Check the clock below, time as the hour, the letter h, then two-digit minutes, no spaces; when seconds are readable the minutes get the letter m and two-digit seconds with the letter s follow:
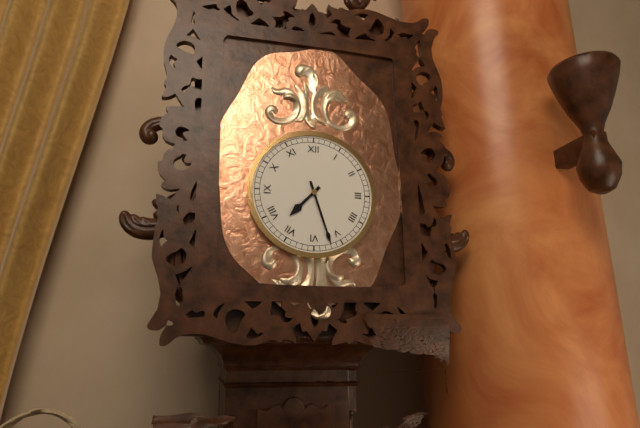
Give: 7h27
